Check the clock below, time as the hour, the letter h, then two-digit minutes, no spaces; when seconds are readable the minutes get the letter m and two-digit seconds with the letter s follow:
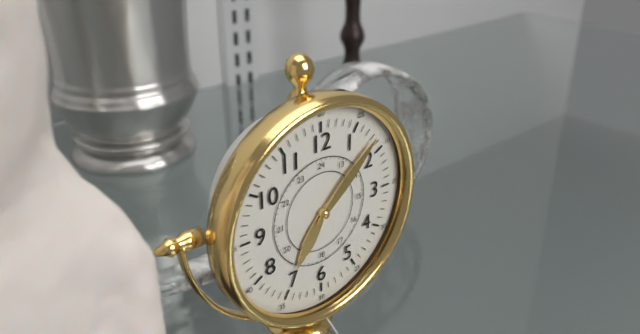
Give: 7h08
